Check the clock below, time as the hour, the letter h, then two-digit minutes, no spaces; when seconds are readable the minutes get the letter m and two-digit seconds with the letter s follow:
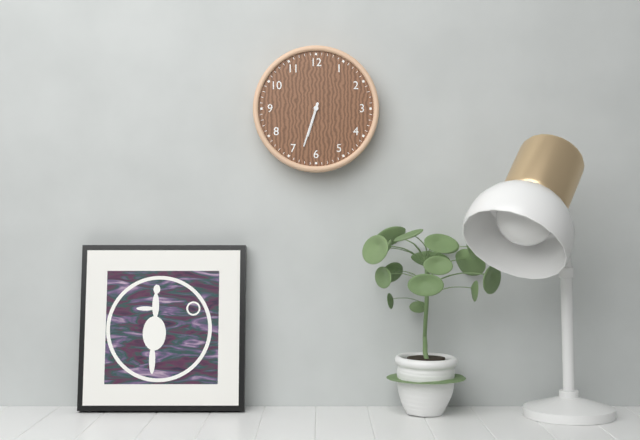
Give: 6h33
